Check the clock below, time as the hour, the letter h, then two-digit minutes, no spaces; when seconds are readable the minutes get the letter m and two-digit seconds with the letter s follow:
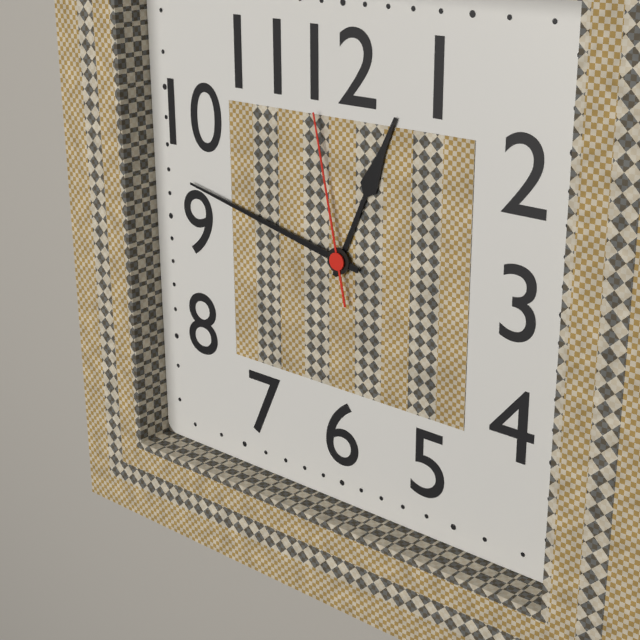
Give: 12h47m58s
